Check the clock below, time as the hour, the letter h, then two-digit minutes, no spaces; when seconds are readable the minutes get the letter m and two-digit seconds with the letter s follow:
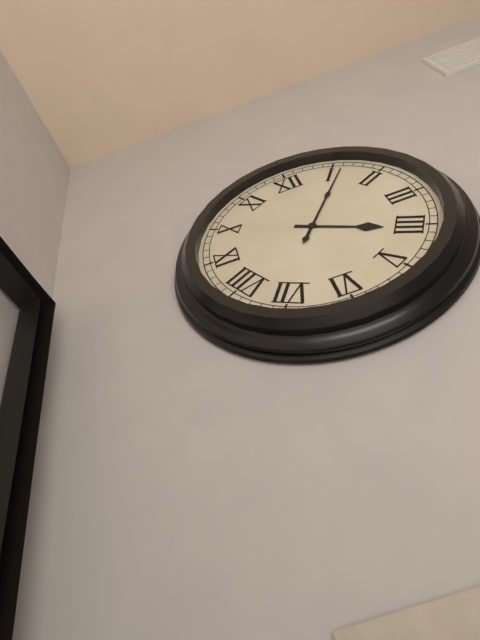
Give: 4h06
